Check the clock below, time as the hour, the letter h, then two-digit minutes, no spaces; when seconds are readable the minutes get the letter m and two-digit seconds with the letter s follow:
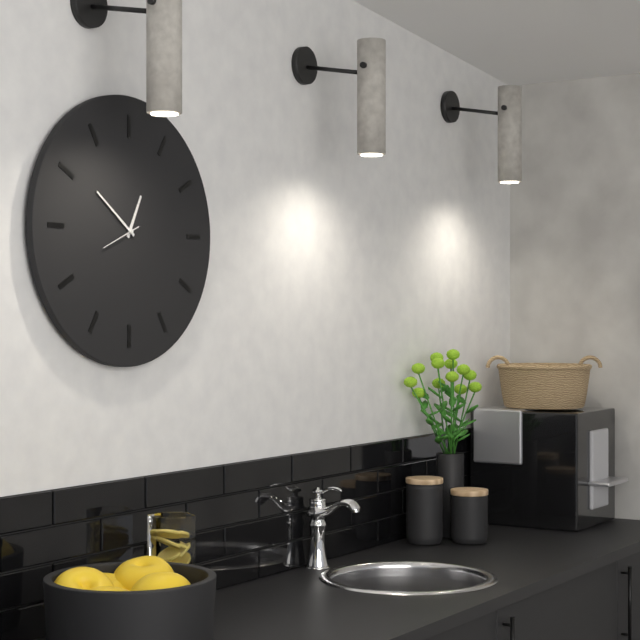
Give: 12h51
